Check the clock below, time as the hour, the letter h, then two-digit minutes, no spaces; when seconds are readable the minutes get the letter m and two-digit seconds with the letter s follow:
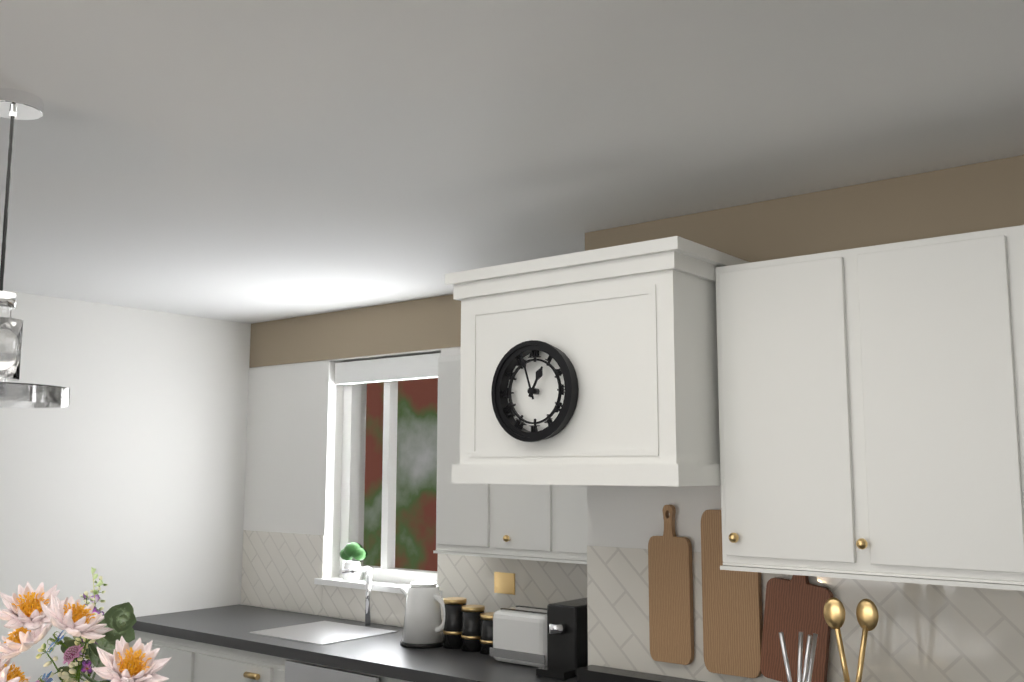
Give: 12h57
